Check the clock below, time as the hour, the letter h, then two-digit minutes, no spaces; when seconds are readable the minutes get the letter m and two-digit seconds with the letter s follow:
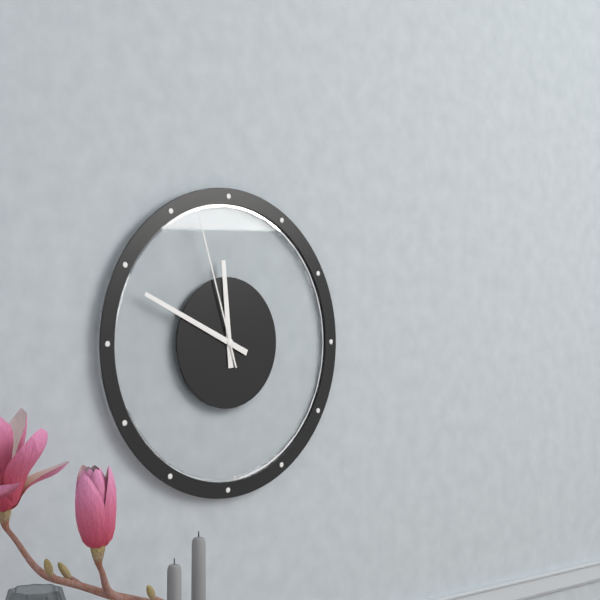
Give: 11h49m57s
